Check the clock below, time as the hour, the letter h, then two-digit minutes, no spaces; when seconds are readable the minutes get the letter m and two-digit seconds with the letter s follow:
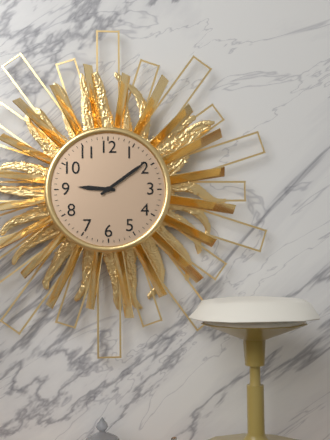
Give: 9h09
